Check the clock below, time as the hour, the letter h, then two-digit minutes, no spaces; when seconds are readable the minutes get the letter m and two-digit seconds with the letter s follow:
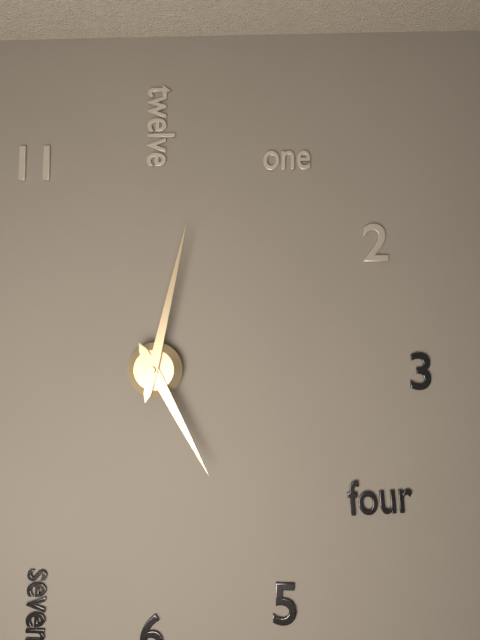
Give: 5h02
